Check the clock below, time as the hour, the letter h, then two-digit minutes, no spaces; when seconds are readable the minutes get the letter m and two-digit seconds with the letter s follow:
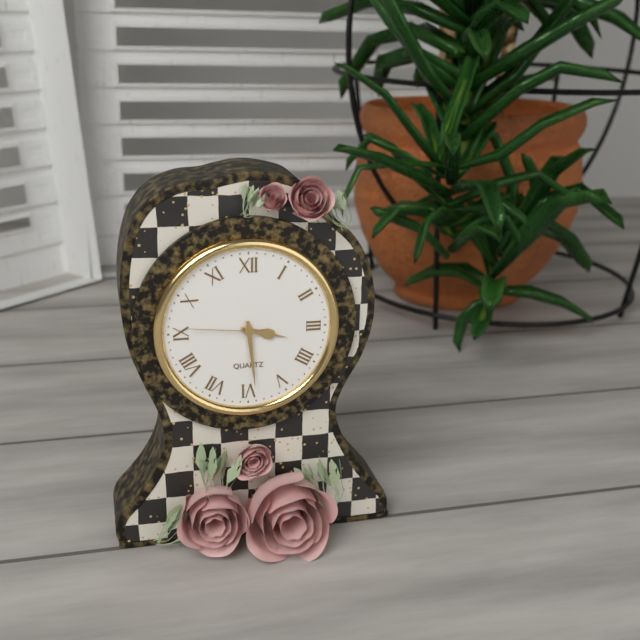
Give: 3h29m46s
